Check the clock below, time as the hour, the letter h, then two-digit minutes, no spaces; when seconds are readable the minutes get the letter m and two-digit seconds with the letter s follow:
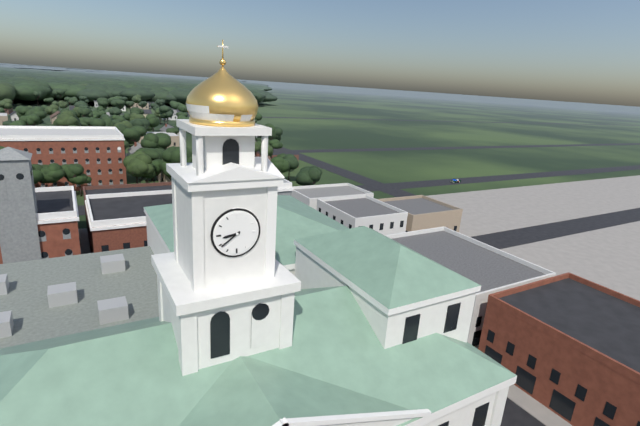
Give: 8h39
